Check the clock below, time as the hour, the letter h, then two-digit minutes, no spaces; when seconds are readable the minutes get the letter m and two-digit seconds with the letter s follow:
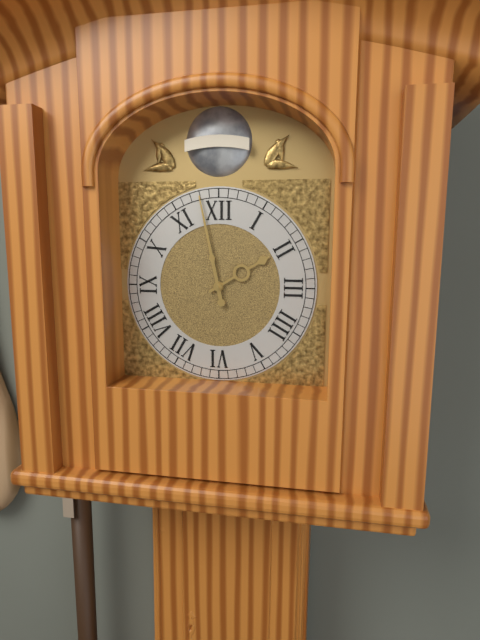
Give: 1h58
